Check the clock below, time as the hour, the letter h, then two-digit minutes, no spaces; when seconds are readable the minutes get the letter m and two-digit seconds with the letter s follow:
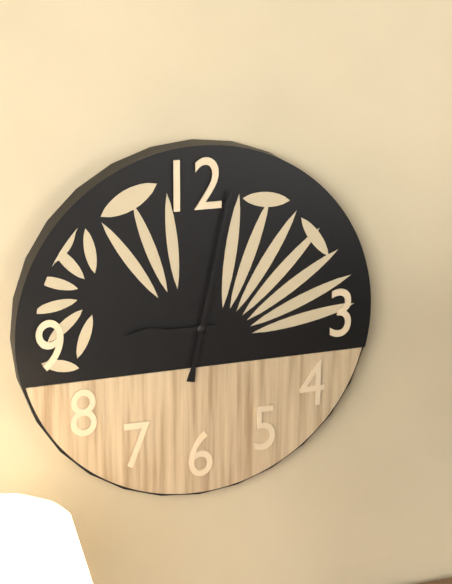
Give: 9h02
